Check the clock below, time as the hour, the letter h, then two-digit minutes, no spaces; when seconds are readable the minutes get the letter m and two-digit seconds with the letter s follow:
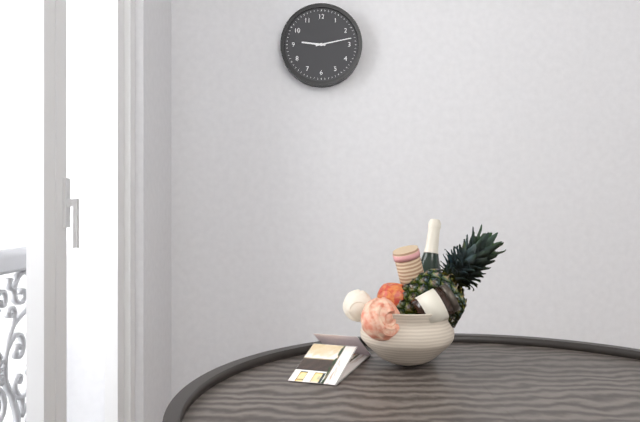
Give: 9h13
